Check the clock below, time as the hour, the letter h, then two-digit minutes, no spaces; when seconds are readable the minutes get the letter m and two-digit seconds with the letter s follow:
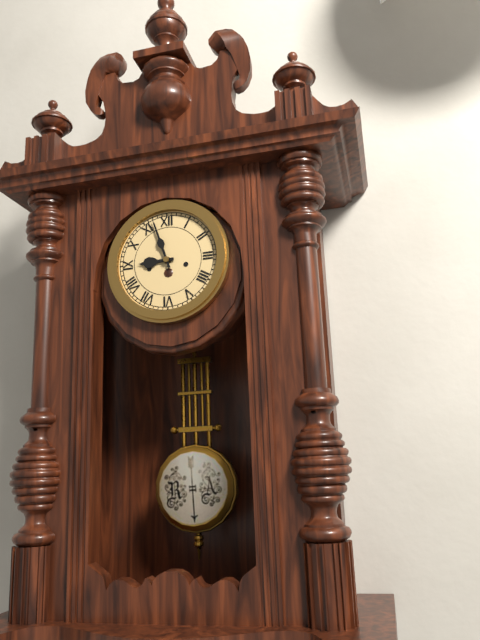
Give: 8h57
